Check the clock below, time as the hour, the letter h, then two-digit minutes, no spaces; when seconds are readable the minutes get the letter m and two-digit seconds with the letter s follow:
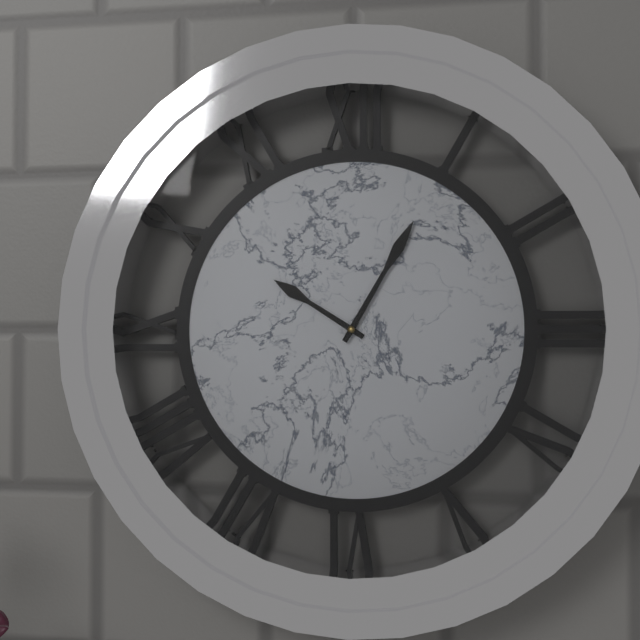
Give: 10h05
